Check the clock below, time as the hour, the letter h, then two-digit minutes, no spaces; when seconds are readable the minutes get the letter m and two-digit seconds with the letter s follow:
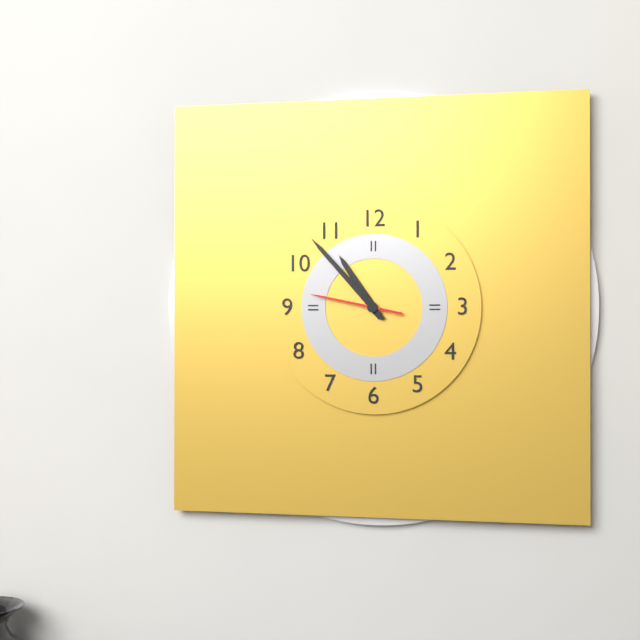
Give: 10h53m47s
